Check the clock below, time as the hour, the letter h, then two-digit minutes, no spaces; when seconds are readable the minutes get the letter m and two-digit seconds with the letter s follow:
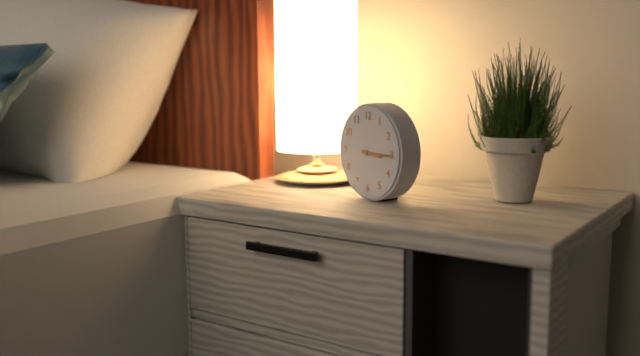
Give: 3h15
